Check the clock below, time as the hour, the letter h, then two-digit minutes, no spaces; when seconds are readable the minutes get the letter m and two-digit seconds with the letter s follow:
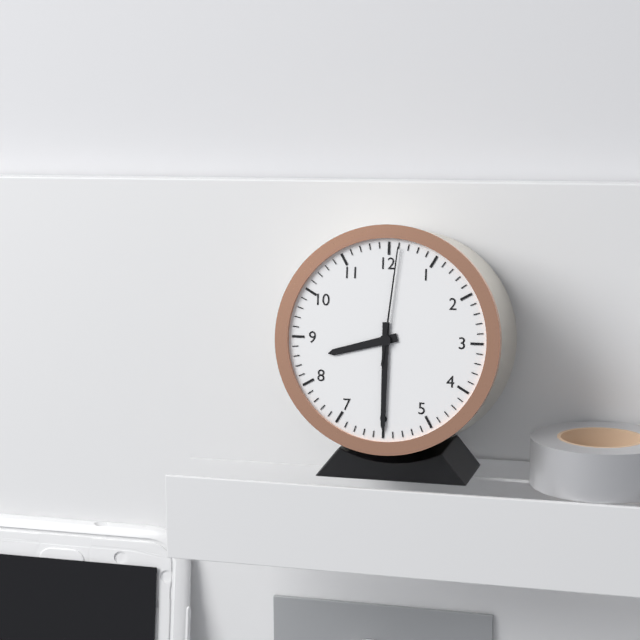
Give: 8h30m01s
